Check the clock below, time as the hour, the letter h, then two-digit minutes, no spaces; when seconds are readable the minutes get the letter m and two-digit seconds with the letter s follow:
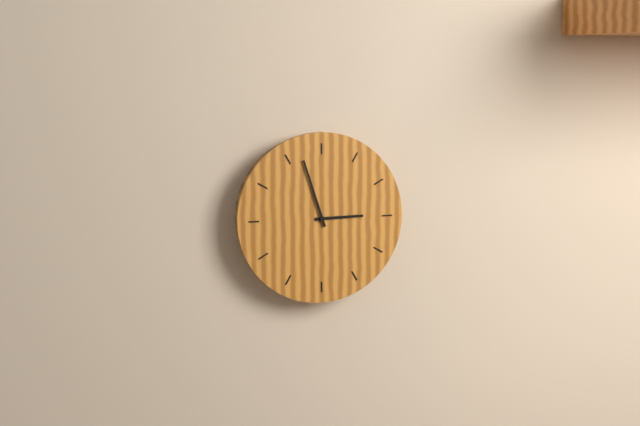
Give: 2h57
